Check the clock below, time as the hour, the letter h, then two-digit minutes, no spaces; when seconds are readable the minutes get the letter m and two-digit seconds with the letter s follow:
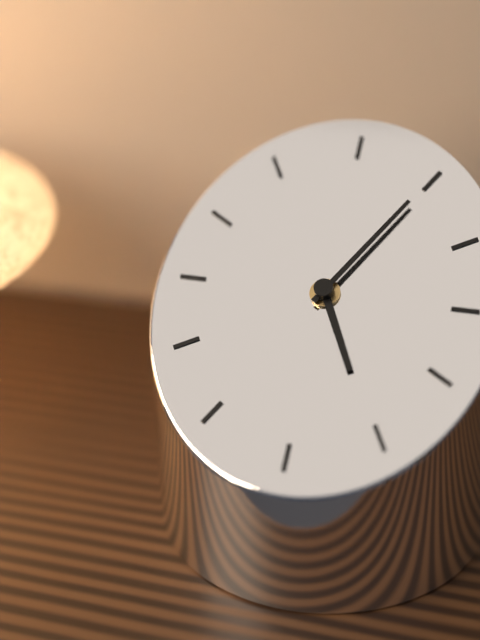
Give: 5h05
